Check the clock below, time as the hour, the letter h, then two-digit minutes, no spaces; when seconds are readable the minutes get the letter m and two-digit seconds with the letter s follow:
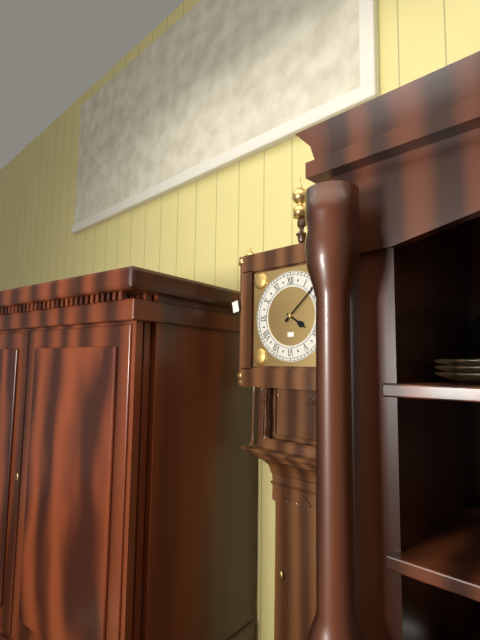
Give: 4h08
